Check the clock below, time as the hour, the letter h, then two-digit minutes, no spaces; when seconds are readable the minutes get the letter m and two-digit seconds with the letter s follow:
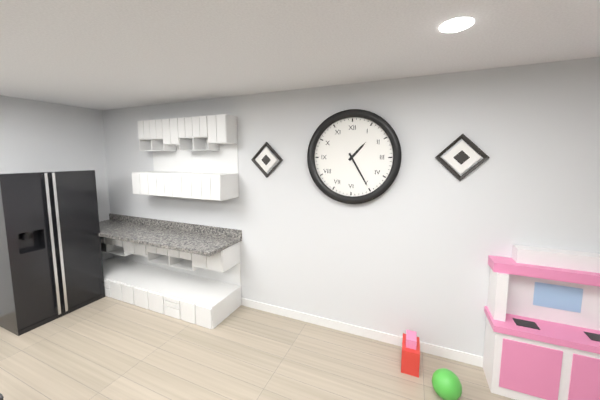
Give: 1h25
